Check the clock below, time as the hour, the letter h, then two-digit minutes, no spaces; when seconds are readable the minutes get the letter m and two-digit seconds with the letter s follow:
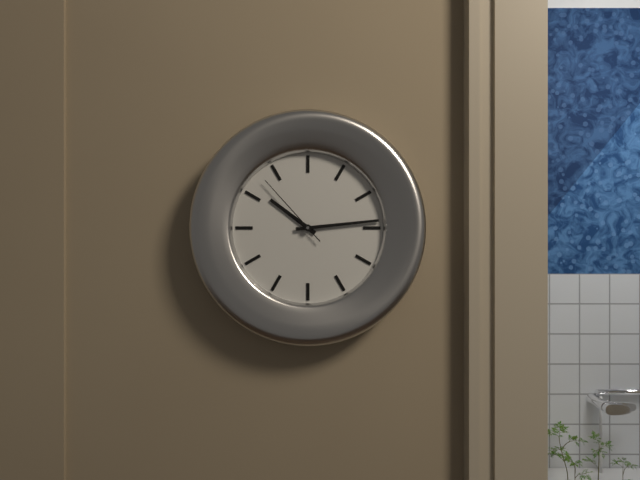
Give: 10h14m53s
